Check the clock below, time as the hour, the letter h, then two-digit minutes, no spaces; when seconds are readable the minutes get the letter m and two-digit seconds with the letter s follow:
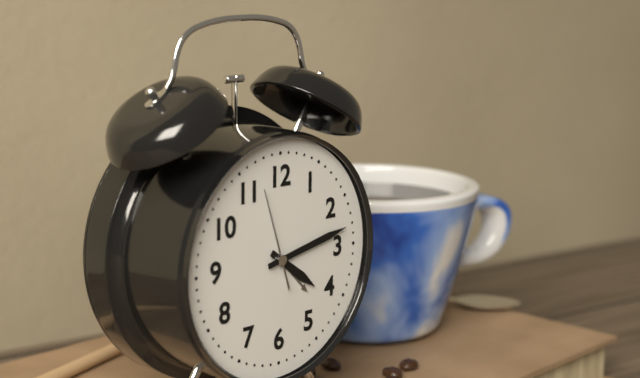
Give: 4h13m57s
